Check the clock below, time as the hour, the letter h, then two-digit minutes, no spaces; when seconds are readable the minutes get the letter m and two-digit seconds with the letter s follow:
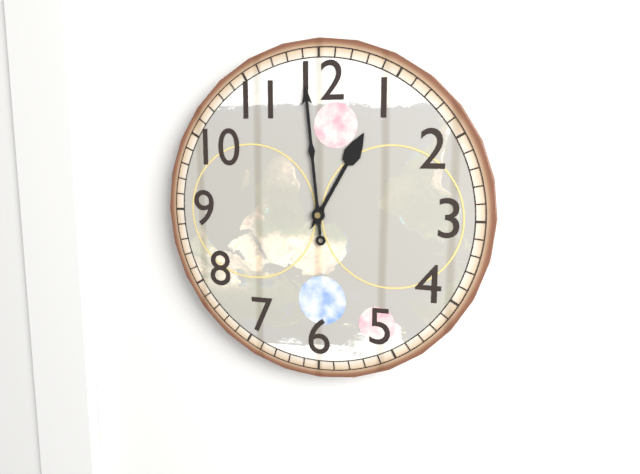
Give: 12h59
